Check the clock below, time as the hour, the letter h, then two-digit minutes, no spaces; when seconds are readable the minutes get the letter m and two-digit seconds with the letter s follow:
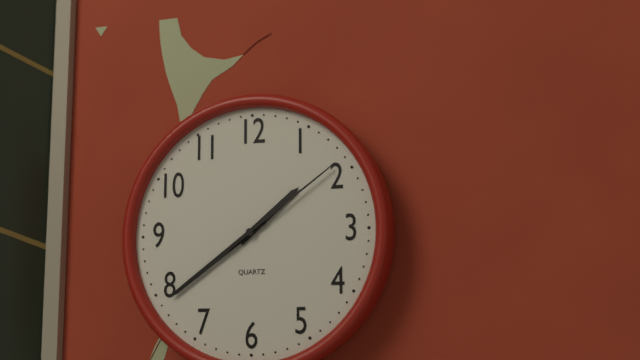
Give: 1h39m09s
